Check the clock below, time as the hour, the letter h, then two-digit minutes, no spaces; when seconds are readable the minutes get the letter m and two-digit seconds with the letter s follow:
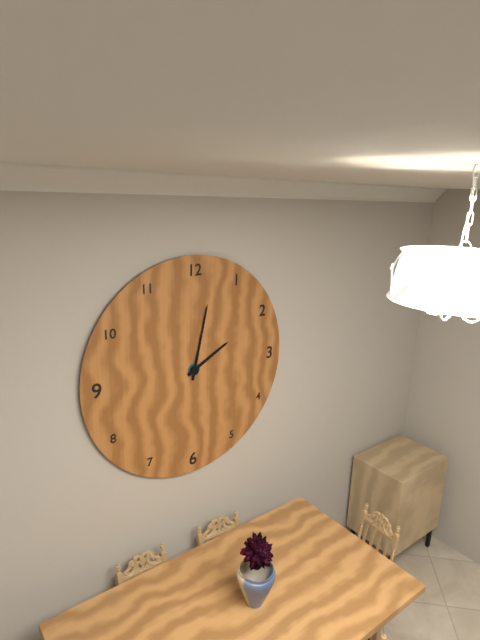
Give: 2h02
